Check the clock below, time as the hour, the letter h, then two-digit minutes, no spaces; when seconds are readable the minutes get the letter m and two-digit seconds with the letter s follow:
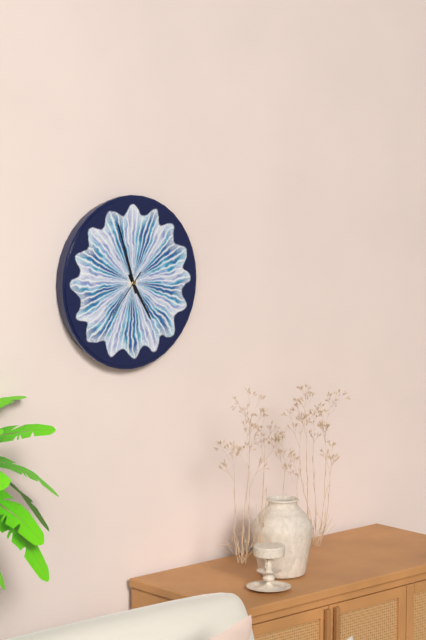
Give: 4h57
